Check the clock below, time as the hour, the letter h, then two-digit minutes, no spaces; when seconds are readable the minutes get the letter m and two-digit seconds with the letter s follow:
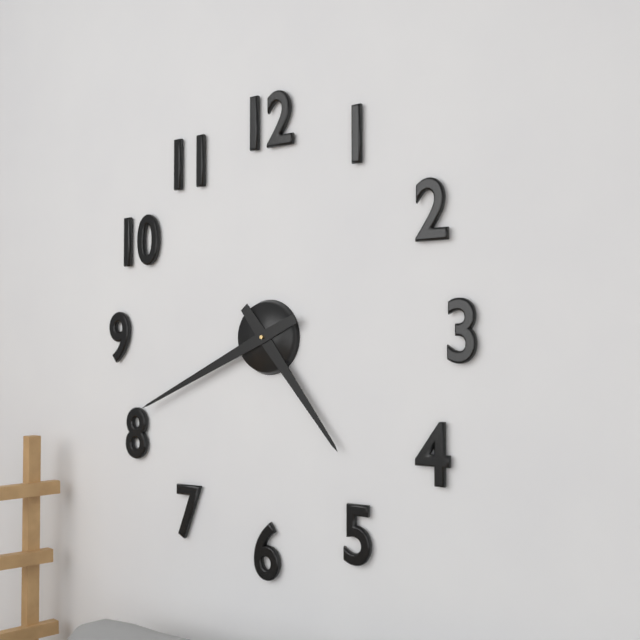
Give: 4h41
